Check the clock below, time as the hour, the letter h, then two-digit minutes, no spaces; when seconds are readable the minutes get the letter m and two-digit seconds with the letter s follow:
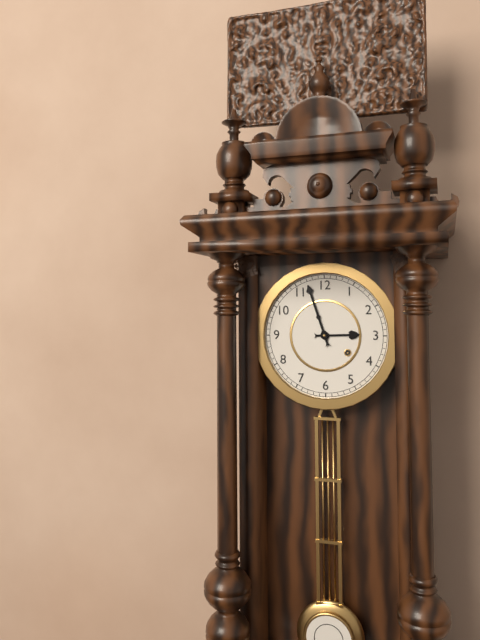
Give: 2h57
